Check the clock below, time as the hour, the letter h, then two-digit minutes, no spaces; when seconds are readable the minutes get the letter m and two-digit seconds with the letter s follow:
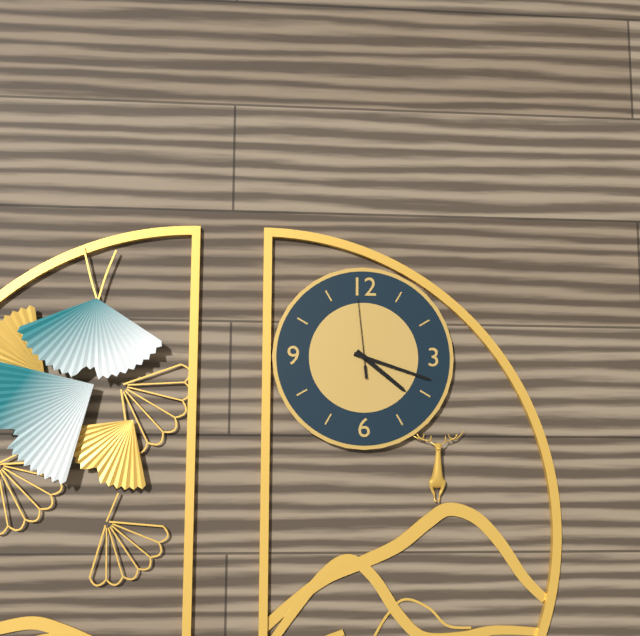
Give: 4h18m59s
